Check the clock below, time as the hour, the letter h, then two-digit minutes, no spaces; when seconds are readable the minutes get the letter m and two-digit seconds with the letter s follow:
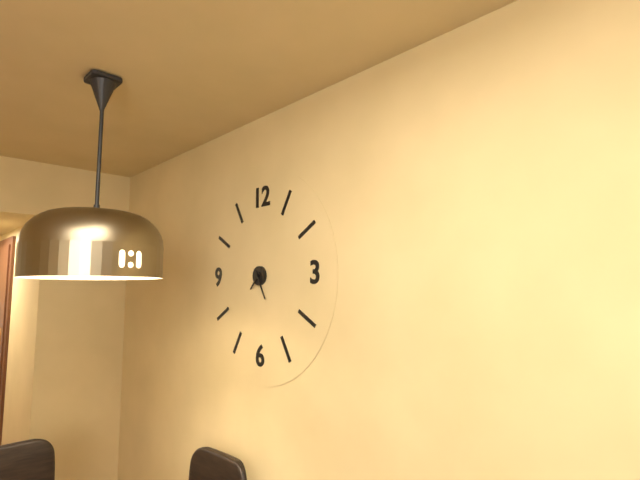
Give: 7h25
